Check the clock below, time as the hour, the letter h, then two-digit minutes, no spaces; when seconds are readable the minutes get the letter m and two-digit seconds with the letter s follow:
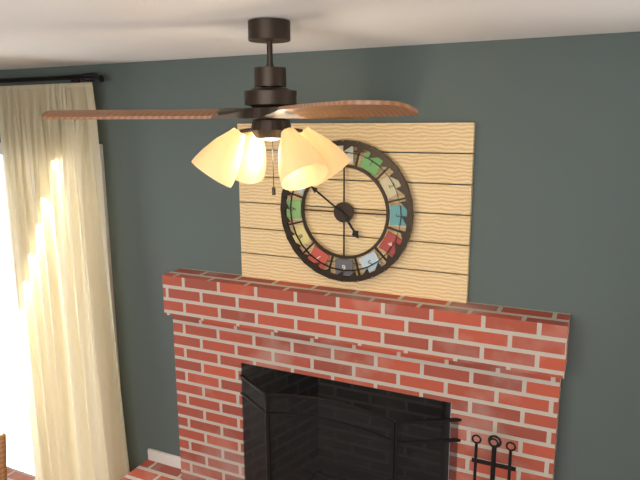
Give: 4h51
